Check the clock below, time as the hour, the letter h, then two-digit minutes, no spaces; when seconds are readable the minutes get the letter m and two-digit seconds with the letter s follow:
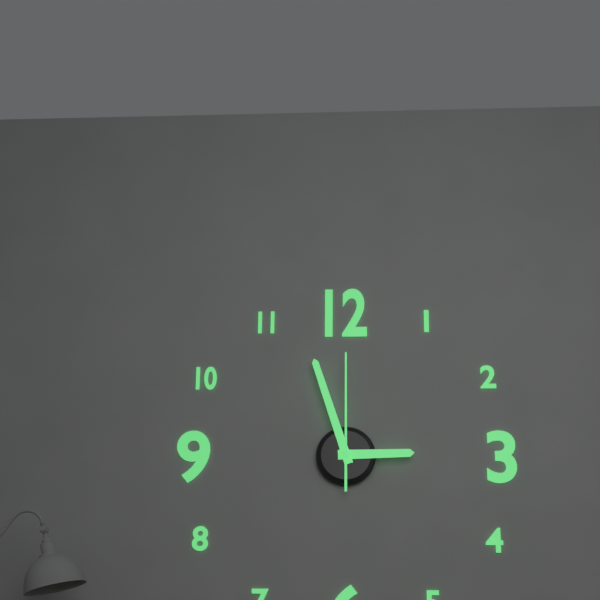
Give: 2h57m00s
